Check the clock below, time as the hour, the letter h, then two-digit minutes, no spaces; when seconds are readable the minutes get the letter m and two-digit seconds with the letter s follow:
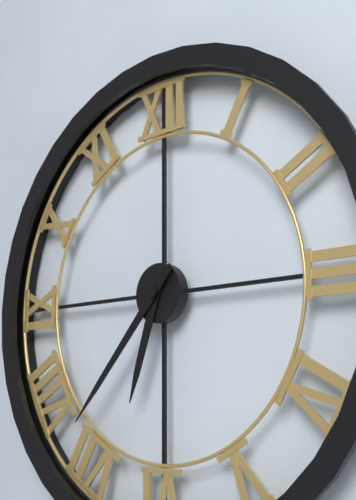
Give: 6h37
